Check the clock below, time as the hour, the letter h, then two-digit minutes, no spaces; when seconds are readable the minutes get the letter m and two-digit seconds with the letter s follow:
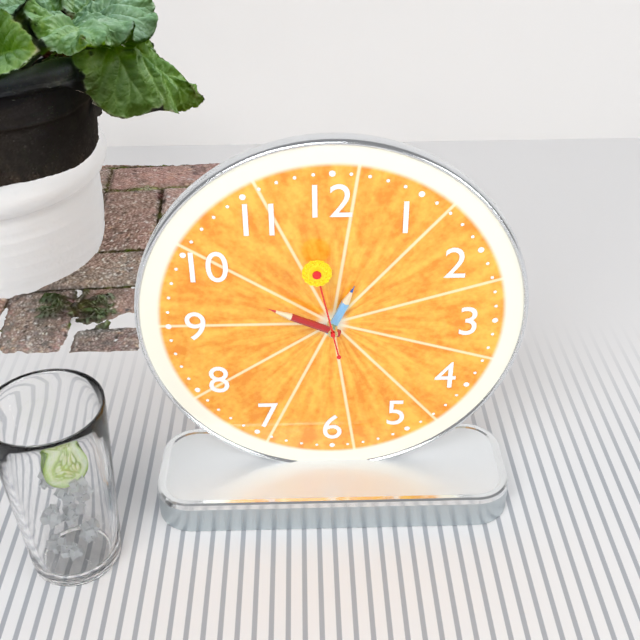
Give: 12h49m58s
